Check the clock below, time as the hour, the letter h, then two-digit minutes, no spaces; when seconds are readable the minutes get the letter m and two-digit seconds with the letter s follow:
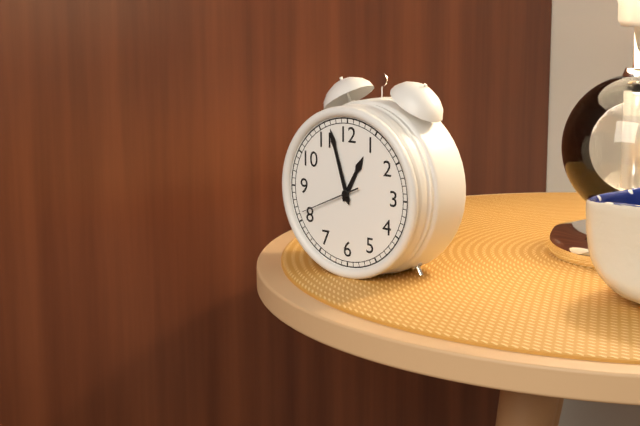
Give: 12h57m41s
